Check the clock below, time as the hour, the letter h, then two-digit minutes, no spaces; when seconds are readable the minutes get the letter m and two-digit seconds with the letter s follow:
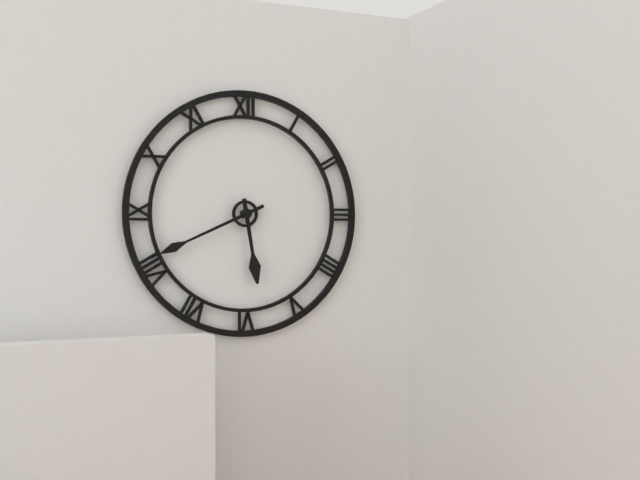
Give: 5h41
